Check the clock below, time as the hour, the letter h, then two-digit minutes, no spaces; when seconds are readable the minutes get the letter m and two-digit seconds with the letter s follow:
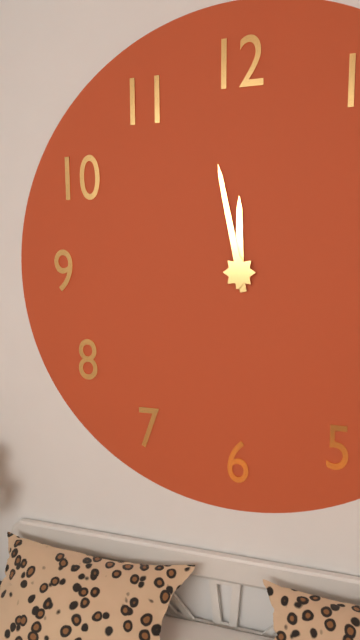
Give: 11h58
